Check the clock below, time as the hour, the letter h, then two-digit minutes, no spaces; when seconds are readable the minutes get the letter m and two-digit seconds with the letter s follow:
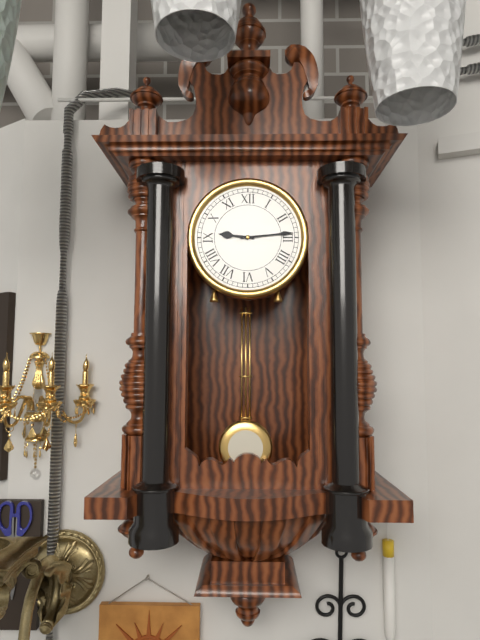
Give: 9h14
